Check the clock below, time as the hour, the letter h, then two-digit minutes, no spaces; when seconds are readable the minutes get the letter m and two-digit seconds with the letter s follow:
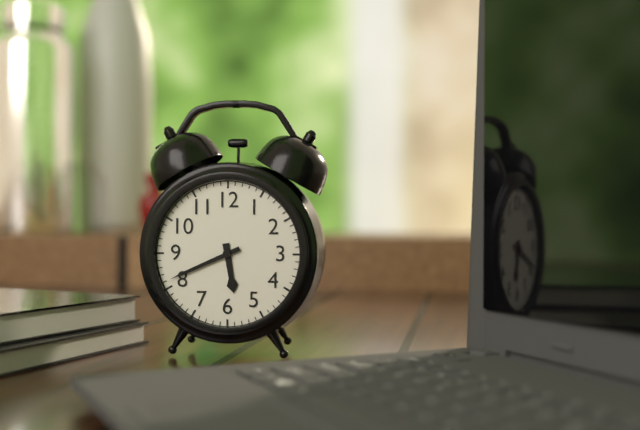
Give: 5h41
